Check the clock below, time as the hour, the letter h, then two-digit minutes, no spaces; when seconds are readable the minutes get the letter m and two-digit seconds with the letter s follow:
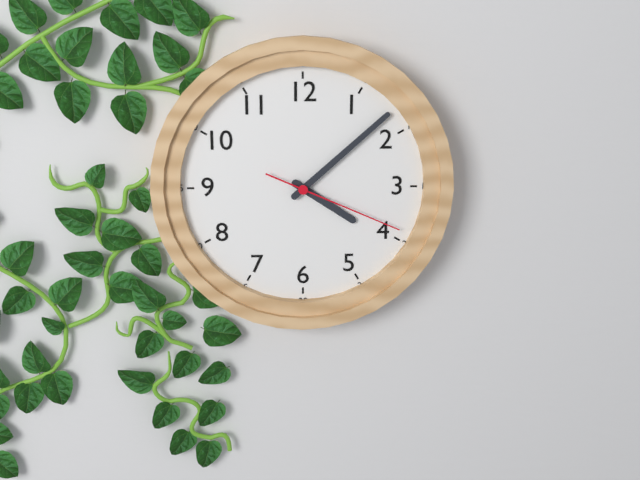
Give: 4h08m19s
